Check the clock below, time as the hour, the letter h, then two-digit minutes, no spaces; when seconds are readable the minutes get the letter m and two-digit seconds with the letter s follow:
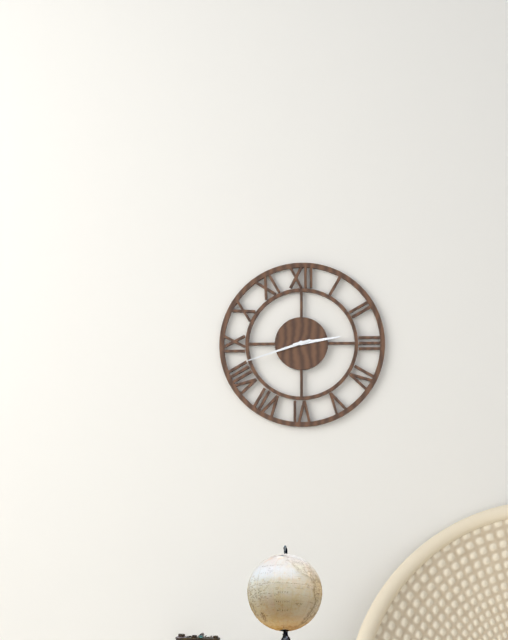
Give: 2h42
